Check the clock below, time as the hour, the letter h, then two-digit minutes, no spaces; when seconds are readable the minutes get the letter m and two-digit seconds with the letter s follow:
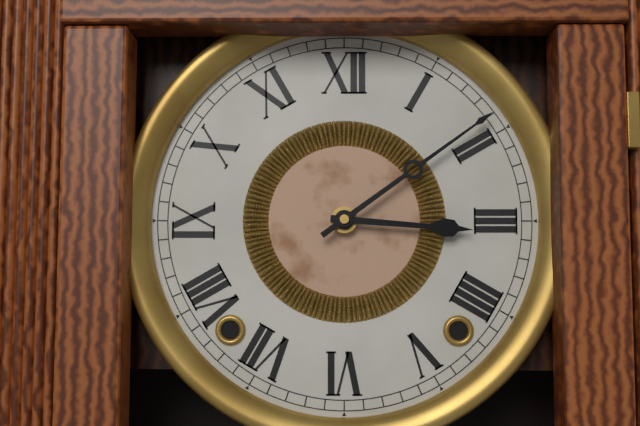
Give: 3h09
